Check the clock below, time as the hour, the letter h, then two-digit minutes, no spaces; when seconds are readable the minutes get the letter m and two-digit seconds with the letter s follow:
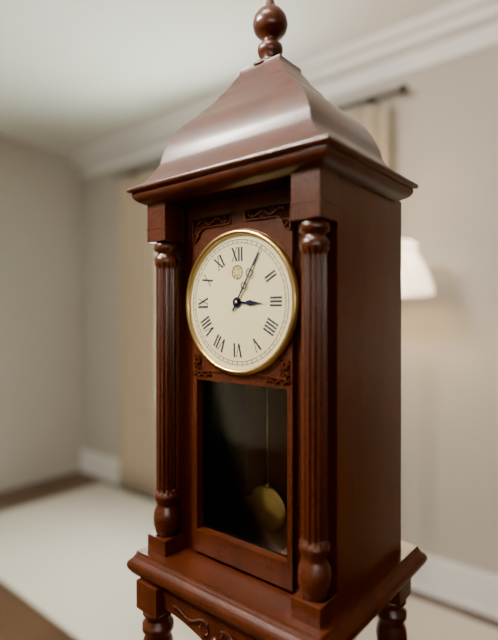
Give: 3h05
